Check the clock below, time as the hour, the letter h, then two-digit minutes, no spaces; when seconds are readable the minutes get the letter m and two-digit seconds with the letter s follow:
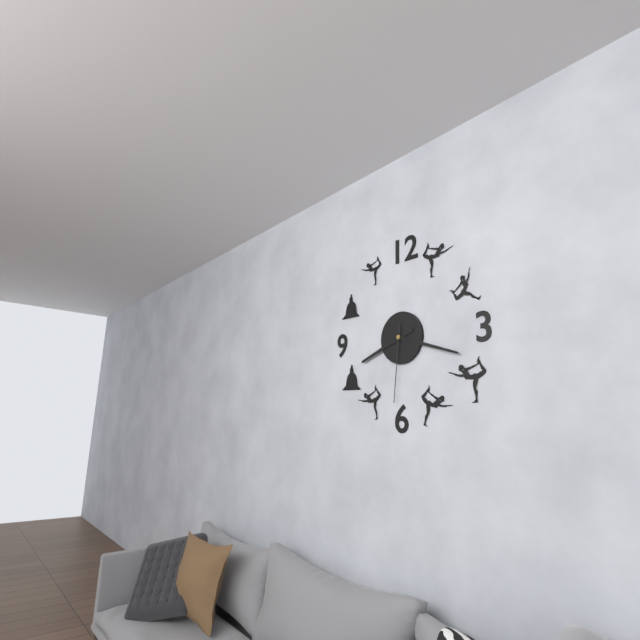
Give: 8h18m31s
